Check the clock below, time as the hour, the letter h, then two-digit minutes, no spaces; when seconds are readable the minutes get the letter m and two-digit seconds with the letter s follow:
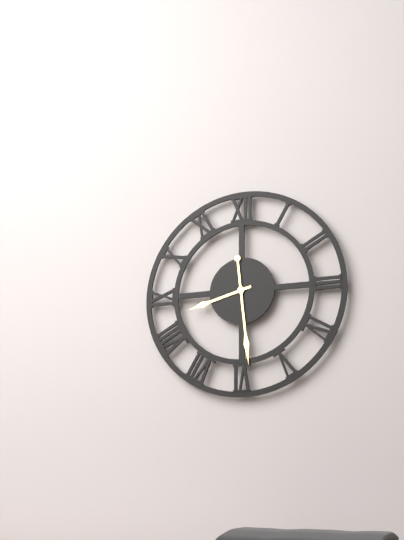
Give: 8h29
